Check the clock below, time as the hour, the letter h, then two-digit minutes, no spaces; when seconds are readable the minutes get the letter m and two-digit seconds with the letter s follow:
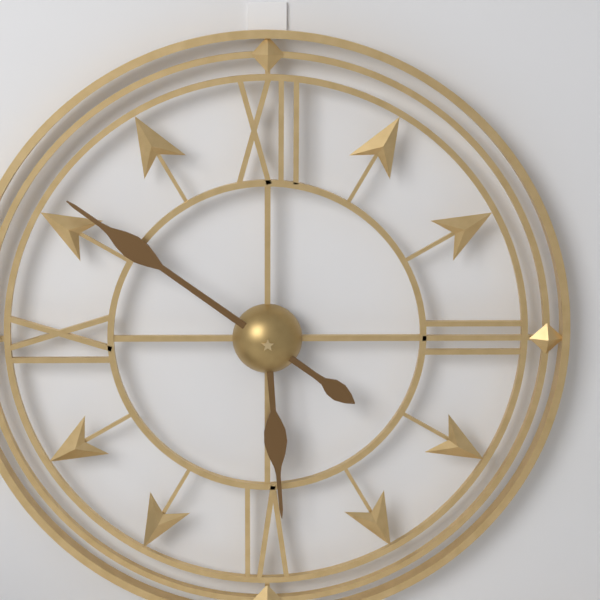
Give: 5h51
